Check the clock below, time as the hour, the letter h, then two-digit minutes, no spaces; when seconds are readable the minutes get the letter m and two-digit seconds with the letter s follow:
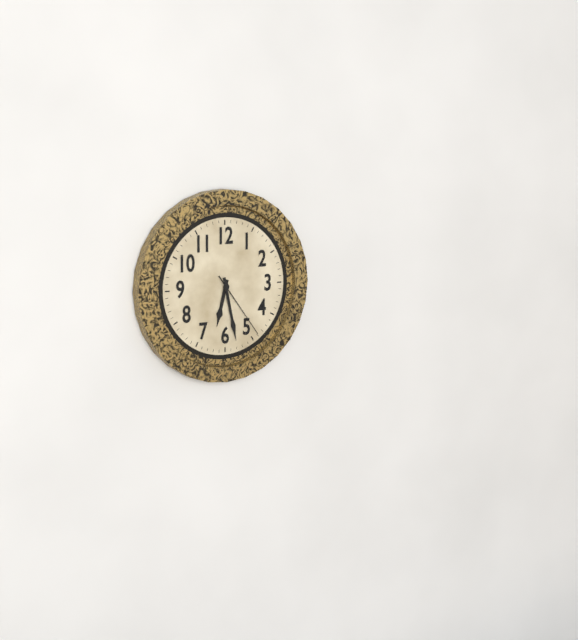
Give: 6h28m24s
